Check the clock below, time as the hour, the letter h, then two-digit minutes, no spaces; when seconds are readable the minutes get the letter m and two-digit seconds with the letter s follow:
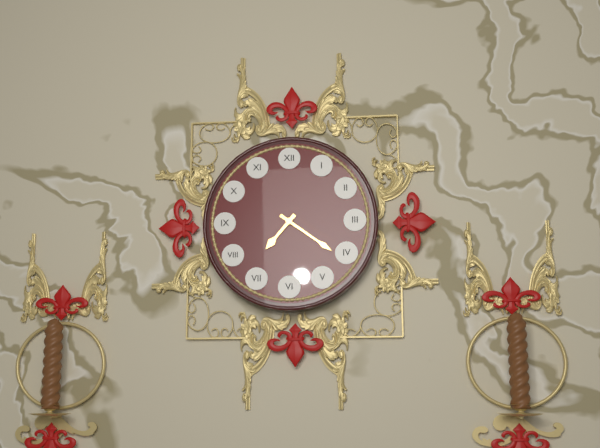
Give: 7h21
